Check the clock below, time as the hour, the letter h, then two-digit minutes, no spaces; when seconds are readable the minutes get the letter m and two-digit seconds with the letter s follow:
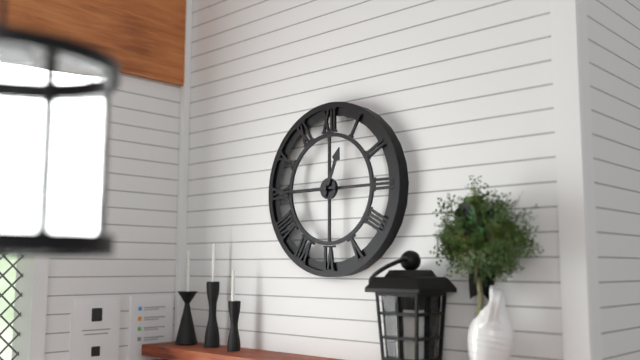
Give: 12h45
